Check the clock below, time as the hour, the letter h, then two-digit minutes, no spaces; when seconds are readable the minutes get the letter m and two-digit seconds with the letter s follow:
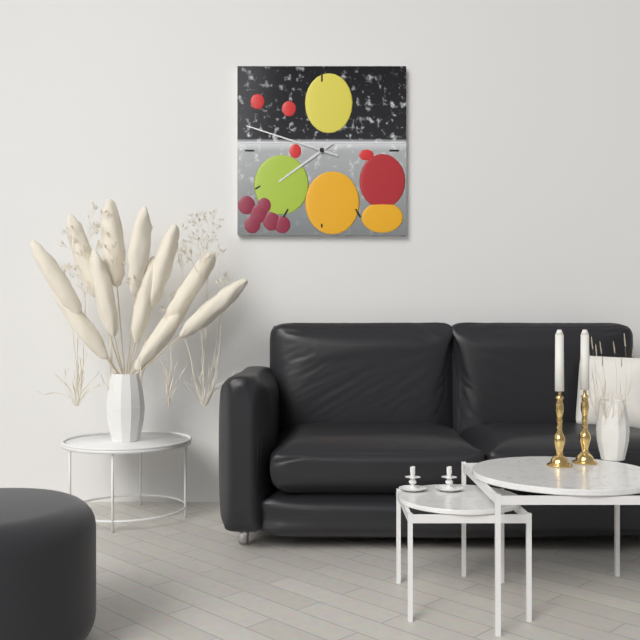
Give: 7h48
